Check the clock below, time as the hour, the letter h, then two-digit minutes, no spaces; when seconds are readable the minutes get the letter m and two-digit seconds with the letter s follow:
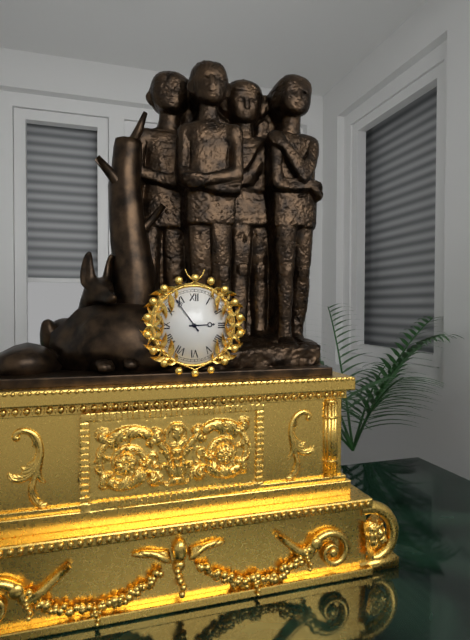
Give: 2h54
